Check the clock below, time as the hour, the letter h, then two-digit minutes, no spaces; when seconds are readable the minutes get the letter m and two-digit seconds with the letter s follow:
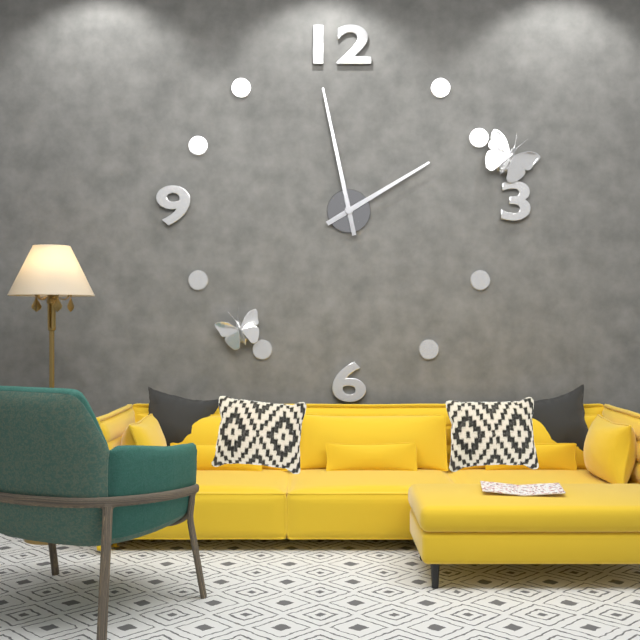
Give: 1h58
